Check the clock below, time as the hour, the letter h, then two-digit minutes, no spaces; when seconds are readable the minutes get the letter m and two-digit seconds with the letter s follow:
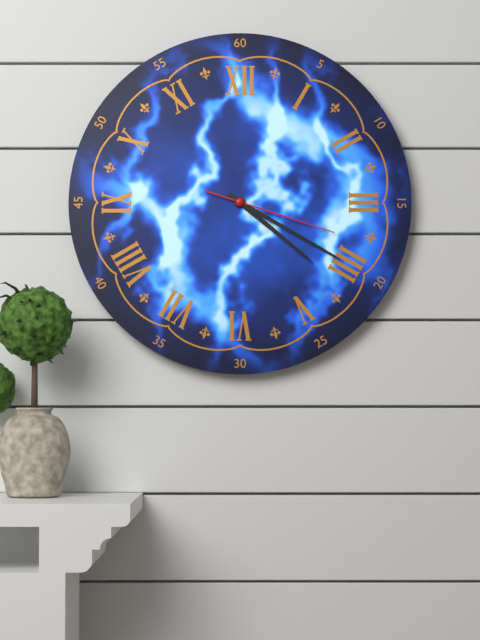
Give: 4h20m18s
